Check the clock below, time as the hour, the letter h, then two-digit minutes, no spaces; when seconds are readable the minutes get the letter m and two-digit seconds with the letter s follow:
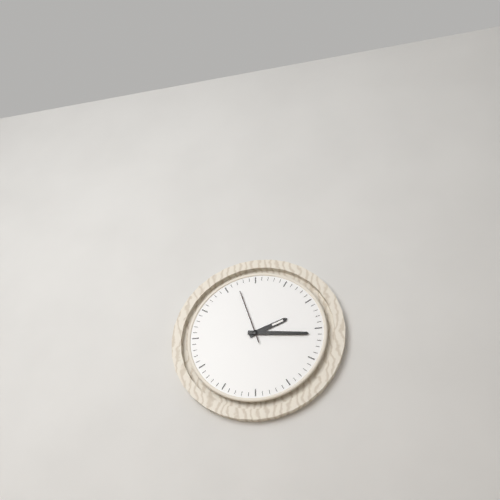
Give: 2h16m57s
